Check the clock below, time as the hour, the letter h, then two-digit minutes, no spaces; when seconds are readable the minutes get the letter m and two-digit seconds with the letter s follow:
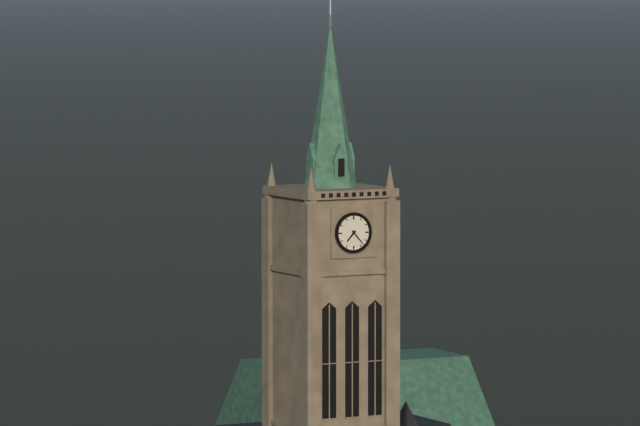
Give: 7h23
